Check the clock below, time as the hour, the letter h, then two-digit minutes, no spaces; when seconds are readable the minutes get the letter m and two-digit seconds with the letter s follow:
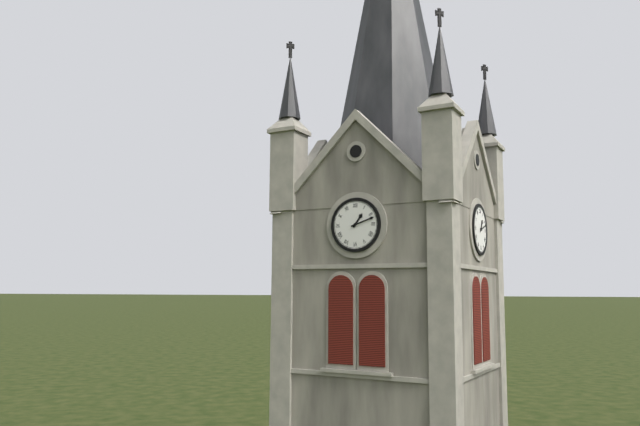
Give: 1h12
